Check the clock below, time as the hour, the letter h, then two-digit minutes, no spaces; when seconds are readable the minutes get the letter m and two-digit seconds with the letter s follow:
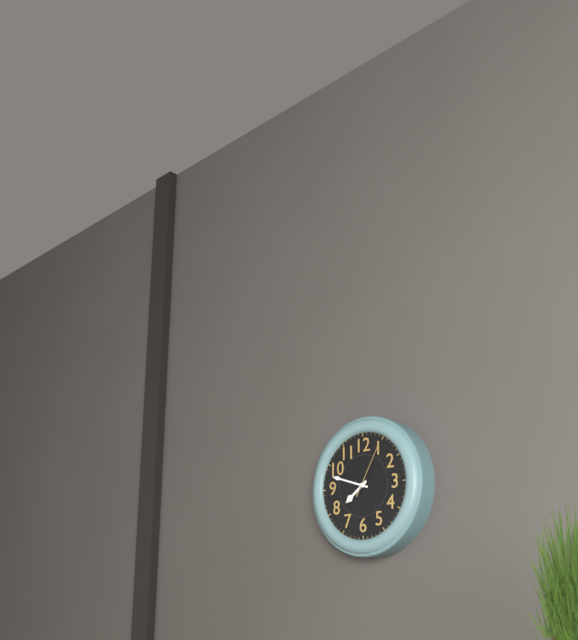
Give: 7h48m05s
